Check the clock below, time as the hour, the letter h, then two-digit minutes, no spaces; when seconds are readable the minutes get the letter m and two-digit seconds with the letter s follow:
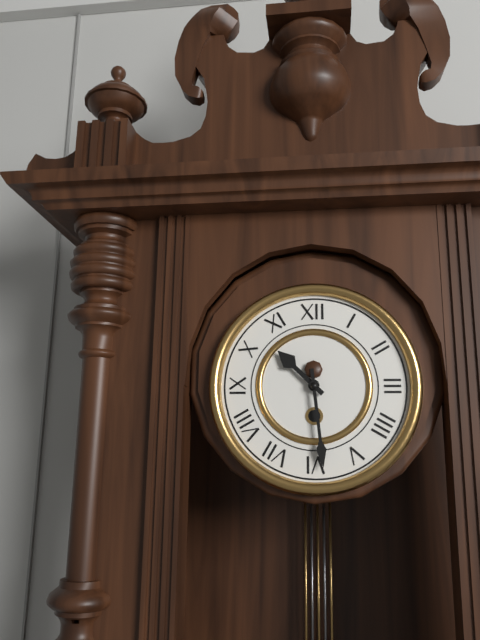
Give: 10h29
